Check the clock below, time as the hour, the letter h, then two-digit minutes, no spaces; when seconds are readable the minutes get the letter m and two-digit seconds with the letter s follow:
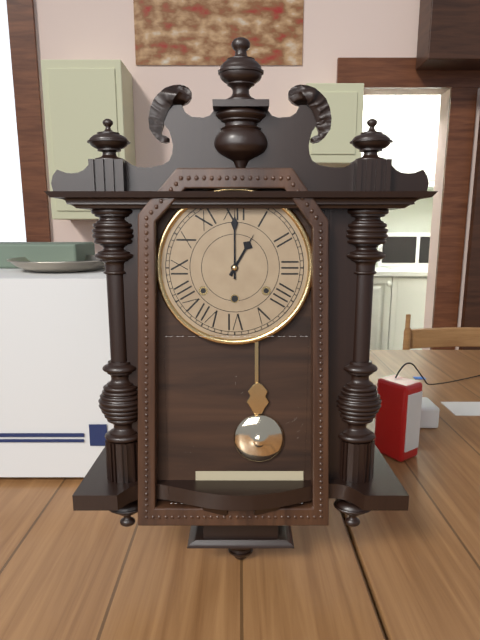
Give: 1h00
